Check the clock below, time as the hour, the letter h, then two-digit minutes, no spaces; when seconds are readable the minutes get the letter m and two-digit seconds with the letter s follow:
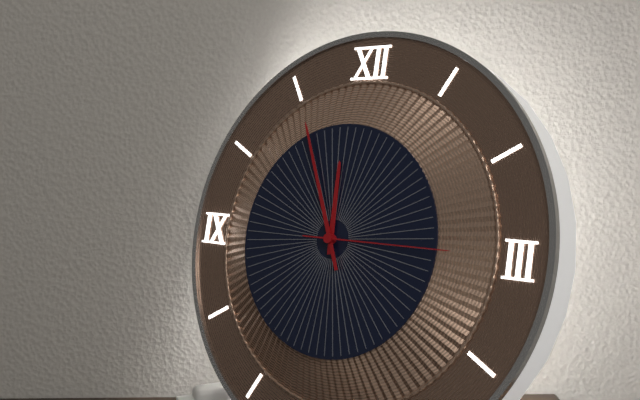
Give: 11h56m15s
